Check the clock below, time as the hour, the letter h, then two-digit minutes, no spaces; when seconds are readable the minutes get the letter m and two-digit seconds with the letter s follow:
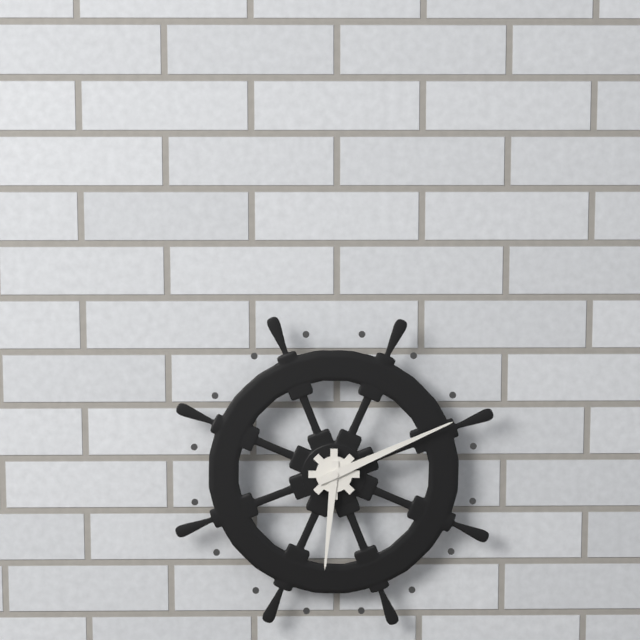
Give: 6h11
